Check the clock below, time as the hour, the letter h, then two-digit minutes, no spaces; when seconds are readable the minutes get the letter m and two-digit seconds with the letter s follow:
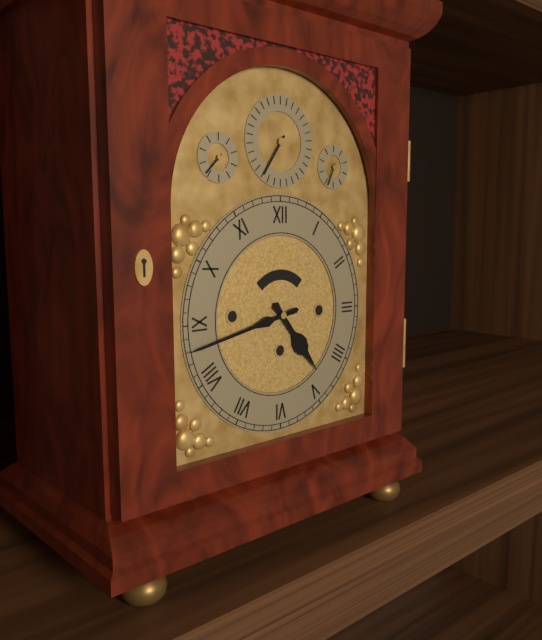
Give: 4h43
